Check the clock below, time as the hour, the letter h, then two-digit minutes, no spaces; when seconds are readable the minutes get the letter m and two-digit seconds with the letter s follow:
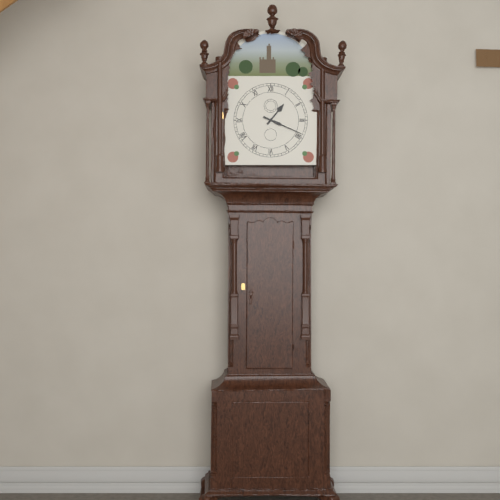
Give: 1h19
